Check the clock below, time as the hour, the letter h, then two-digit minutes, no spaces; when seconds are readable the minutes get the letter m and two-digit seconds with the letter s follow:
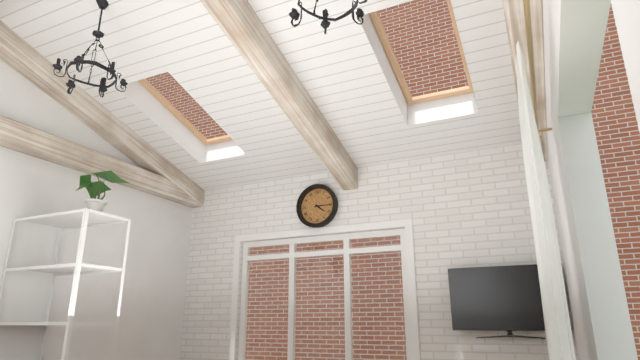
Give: 4h15
